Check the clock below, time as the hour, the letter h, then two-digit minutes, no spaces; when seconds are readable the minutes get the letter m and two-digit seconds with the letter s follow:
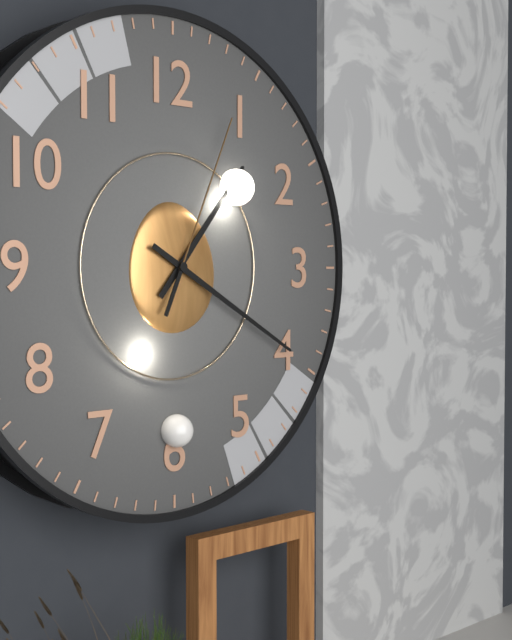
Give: 1h20m04s
